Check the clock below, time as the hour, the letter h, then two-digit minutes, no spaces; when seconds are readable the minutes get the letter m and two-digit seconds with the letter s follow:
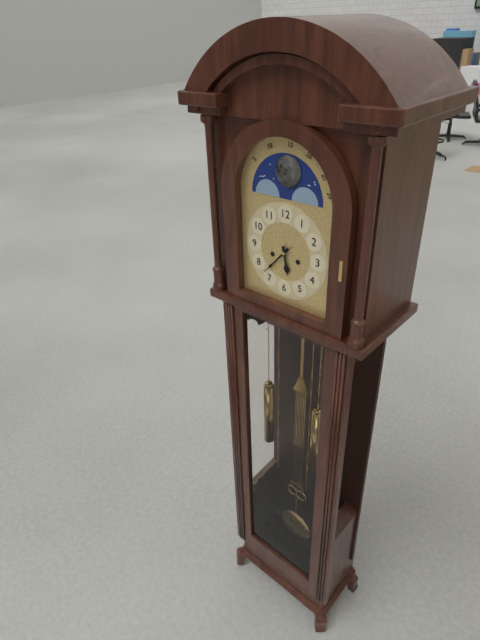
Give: 5h37
